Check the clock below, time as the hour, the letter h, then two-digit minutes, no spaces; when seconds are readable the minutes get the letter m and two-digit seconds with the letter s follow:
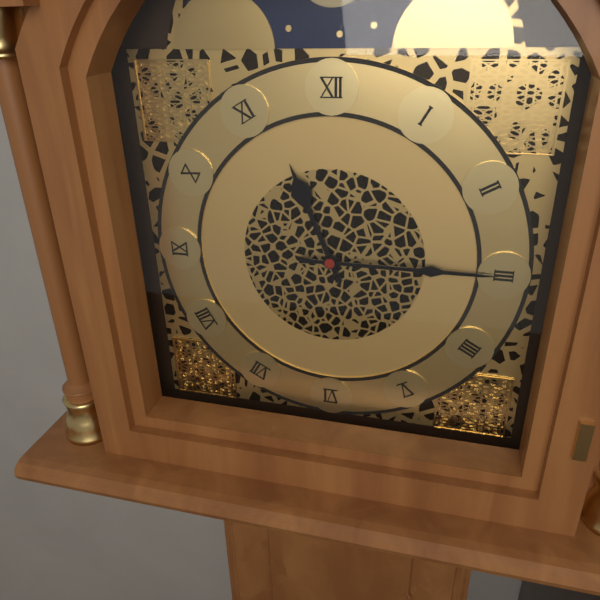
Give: 11h15
